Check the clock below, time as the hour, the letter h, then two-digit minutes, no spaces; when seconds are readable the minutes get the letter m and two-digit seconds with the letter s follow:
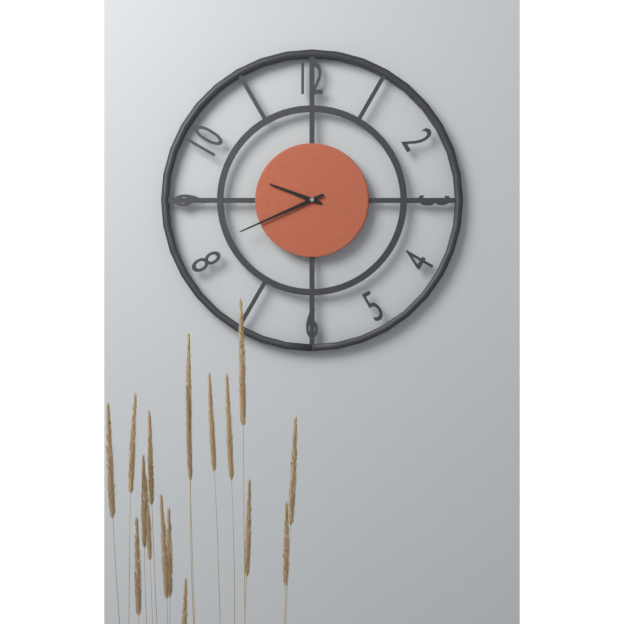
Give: 9h41
